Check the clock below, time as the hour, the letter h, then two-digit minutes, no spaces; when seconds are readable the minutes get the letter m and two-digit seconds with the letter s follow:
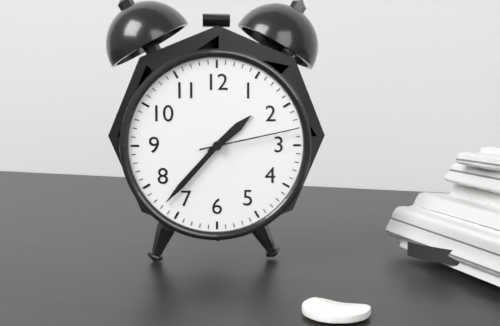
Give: 1h37m13s
